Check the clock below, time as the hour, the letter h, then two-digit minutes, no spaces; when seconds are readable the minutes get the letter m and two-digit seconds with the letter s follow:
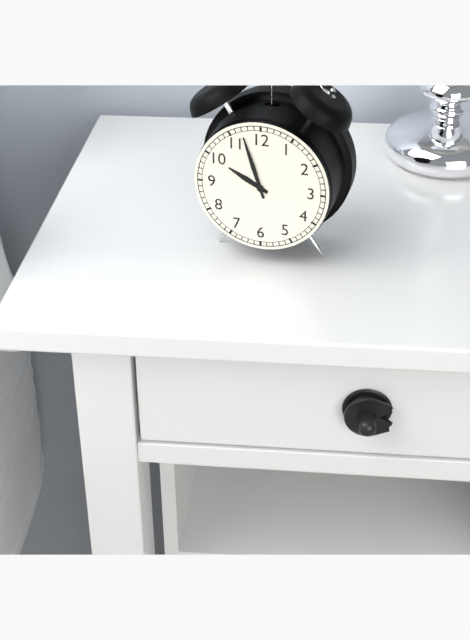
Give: 9h57
